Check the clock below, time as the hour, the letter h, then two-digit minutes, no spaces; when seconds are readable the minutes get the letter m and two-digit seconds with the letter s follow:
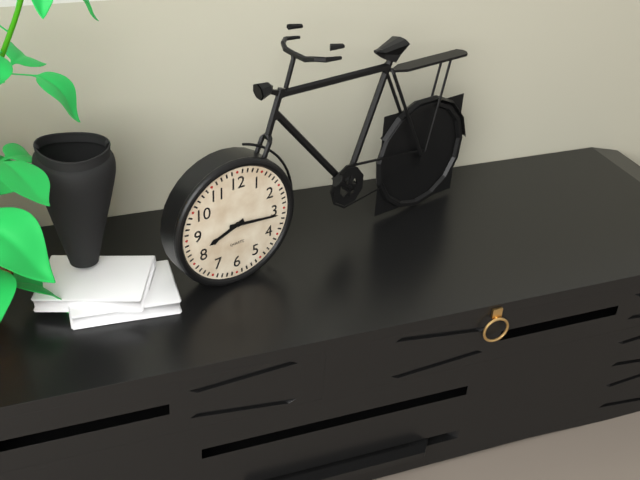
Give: 8h16
